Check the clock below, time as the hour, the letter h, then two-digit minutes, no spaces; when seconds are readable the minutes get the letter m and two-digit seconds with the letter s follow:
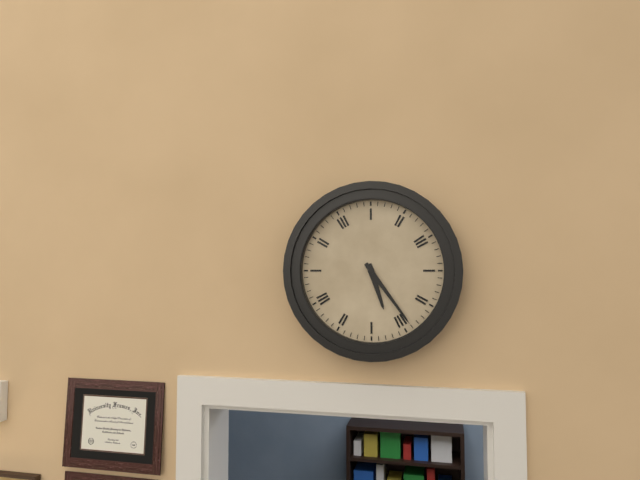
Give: 5h24
